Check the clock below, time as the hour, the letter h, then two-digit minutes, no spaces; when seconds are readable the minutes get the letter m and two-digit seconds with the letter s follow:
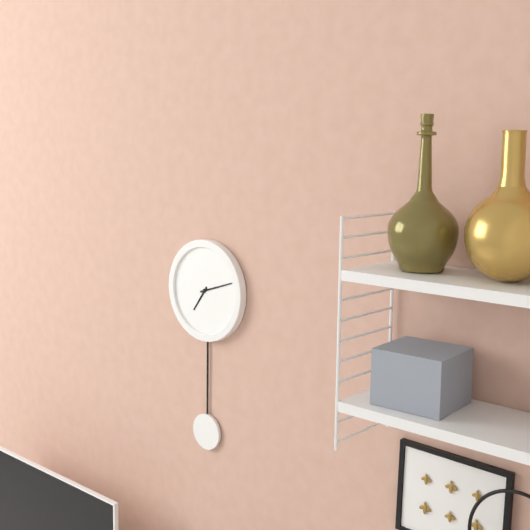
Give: 7h12
